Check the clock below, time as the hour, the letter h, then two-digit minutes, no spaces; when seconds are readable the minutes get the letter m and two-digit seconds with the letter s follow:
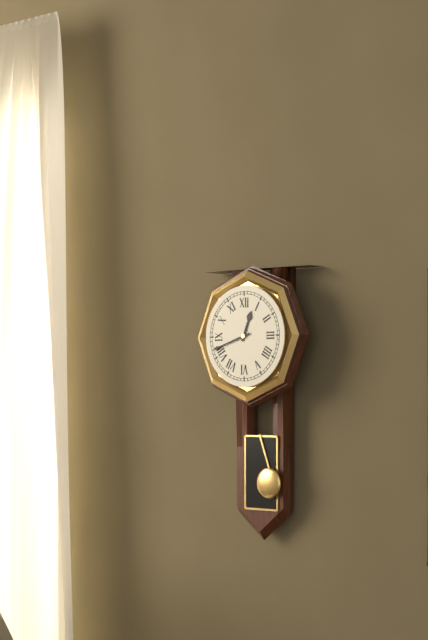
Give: 12h42
